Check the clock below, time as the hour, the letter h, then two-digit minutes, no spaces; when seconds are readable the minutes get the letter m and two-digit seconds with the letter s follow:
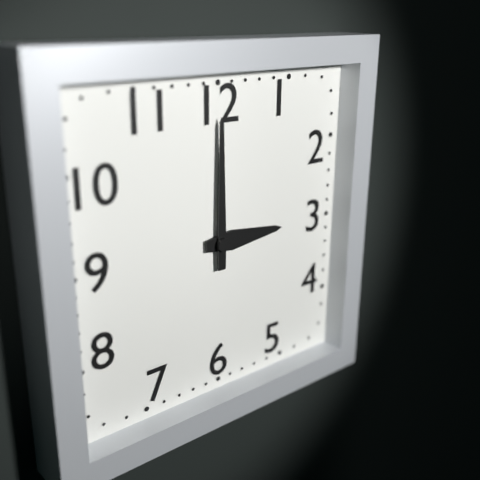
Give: 3h00
